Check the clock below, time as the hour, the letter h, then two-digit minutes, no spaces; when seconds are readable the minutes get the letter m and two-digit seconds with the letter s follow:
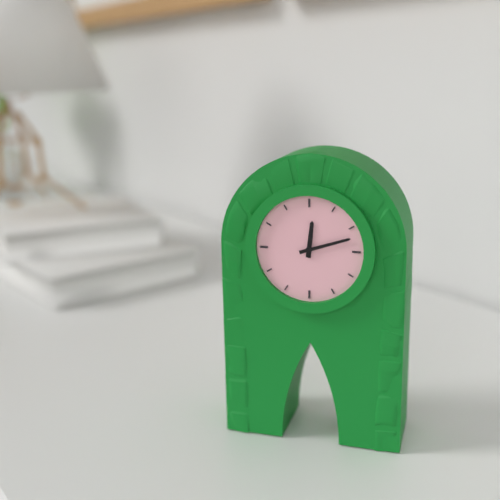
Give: 12h12
